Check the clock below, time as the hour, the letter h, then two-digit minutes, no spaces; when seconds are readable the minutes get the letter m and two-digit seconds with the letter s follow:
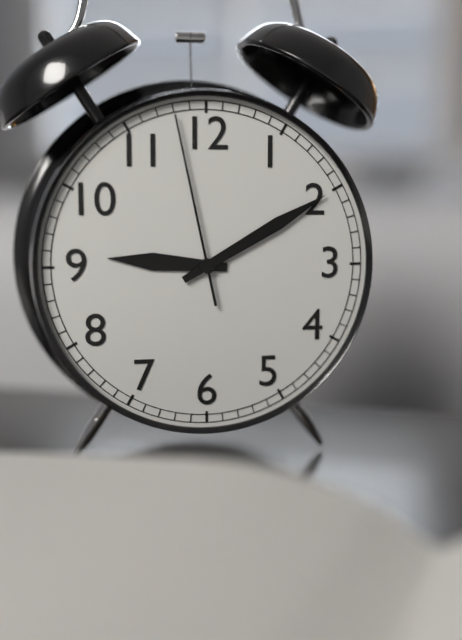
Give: 9h10m58s
